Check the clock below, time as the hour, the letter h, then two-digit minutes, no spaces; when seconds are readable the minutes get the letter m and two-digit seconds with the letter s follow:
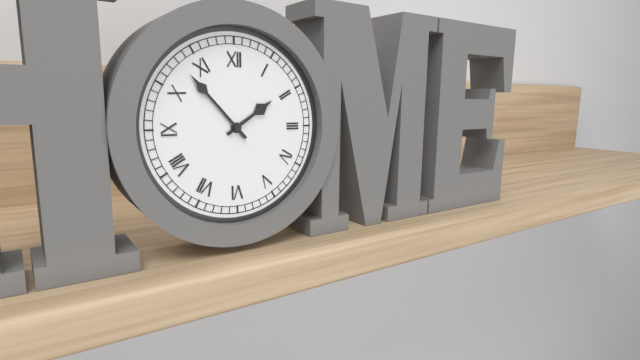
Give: 1h53
